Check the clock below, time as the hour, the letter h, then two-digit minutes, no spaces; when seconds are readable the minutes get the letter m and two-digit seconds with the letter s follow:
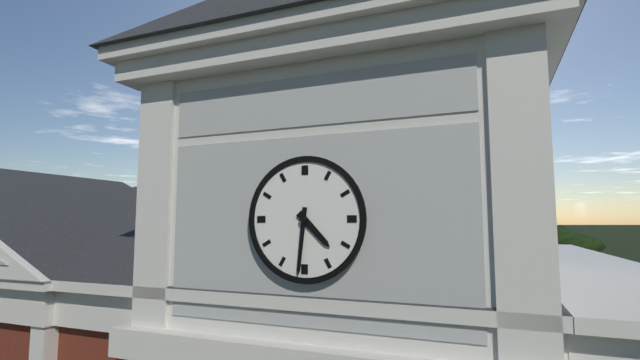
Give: 4h31
